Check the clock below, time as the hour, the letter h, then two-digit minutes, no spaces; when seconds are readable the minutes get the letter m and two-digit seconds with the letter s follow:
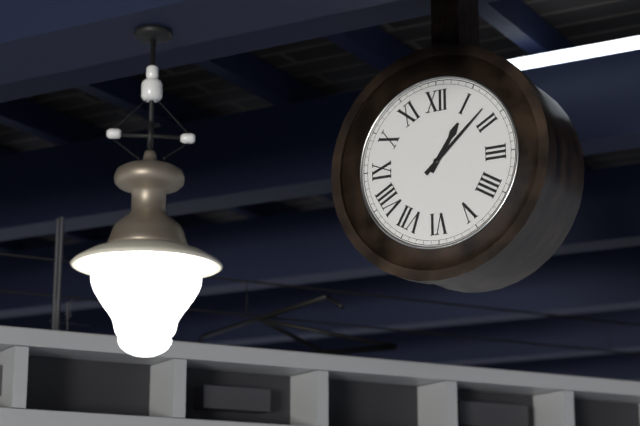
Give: 1h08
